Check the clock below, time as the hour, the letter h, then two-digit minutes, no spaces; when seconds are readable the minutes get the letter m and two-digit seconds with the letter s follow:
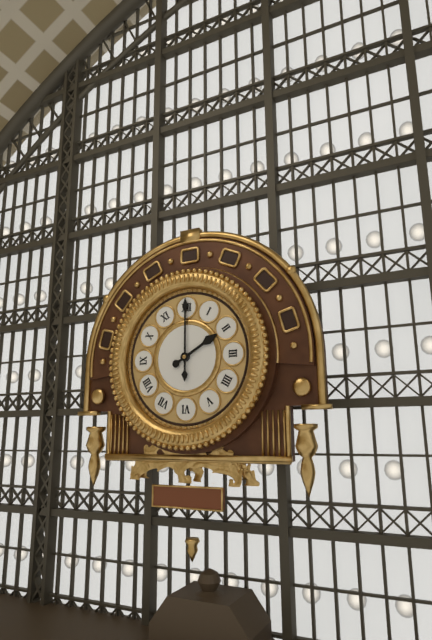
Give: 2h00
